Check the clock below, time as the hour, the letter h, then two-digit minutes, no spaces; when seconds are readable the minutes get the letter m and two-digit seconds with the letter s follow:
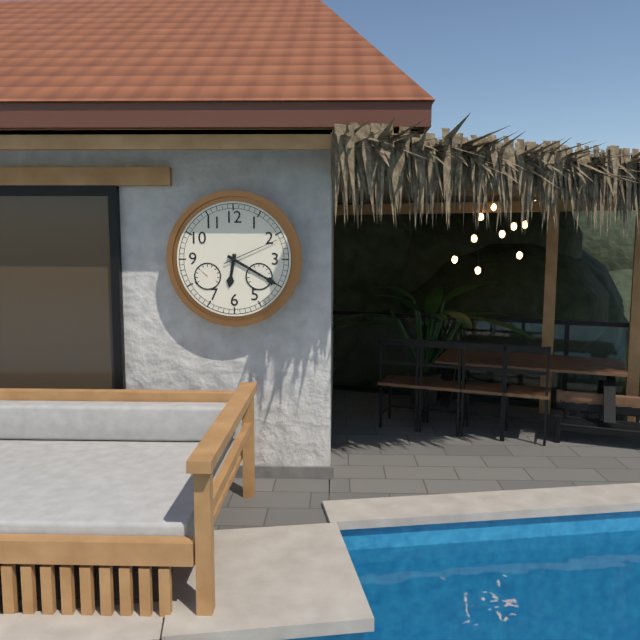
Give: 6h20m11s
